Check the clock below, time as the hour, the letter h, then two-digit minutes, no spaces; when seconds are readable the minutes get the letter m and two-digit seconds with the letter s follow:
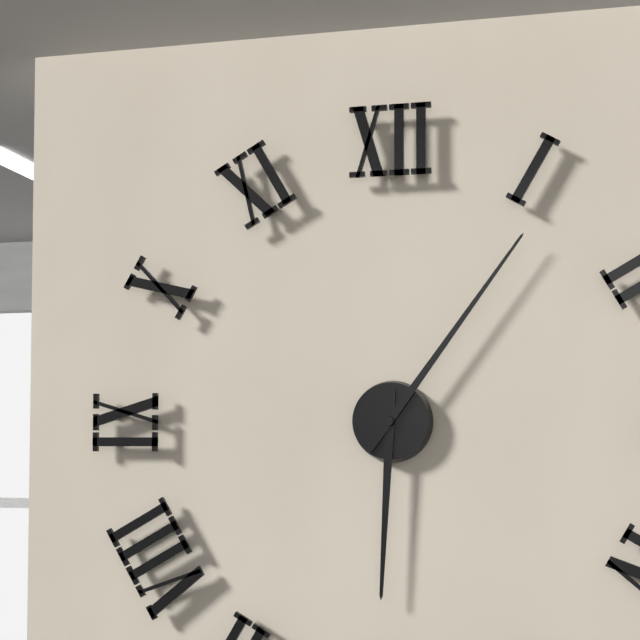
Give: 6h06
